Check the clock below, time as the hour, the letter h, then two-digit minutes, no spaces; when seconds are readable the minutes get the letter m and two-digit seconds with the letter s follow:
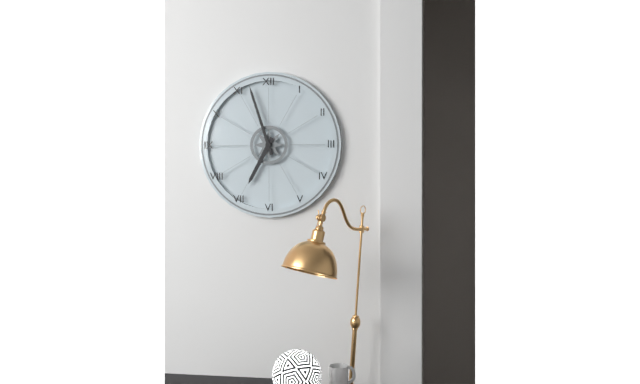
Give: 6h57
